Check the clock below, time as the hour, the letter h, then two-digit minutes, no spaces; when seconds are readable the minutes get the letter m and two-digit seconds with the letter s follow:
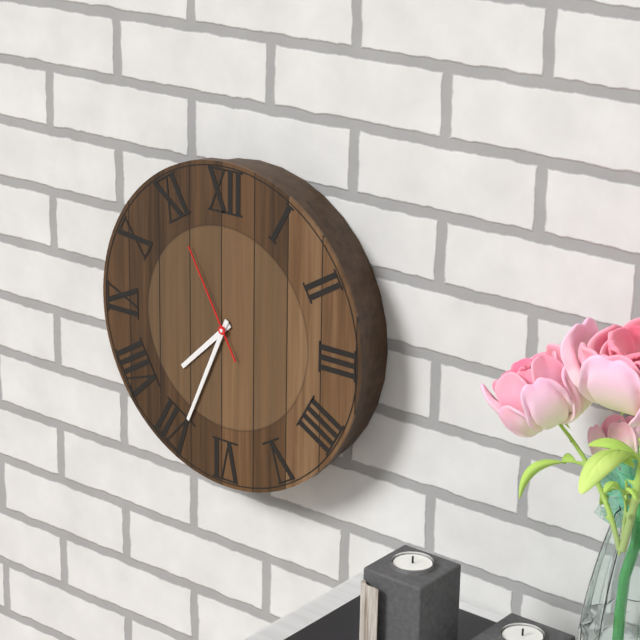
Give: 7h34m55s
